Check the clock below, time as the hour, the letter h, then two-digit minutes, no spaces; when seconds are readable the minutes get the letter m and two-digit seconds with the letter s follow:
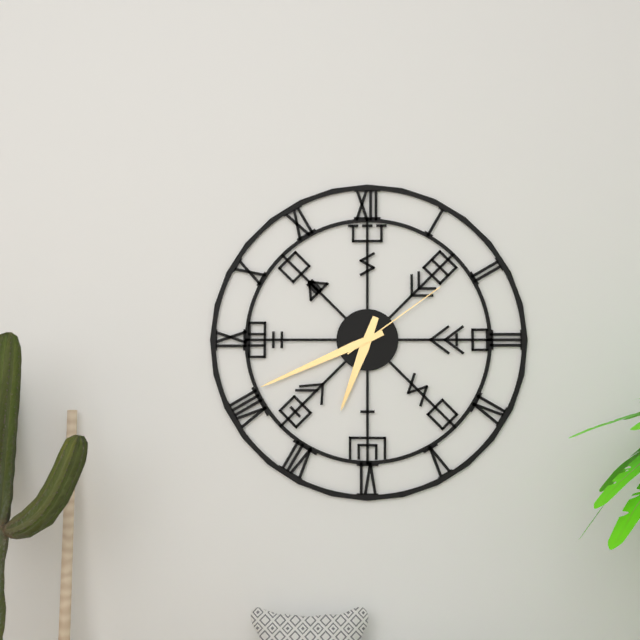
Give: 6h41m09s
